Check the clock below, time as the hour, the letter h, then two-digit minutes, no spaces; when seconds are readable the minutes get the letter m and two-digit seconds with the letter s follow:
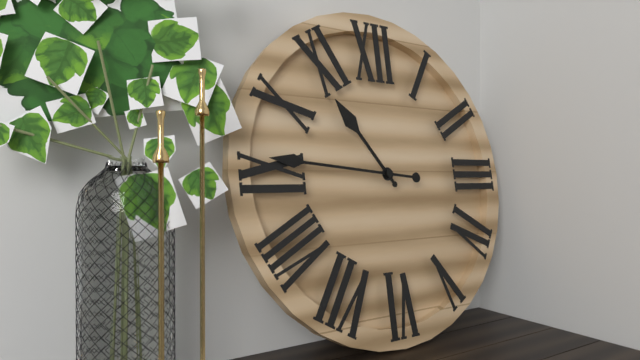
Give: 10h46
